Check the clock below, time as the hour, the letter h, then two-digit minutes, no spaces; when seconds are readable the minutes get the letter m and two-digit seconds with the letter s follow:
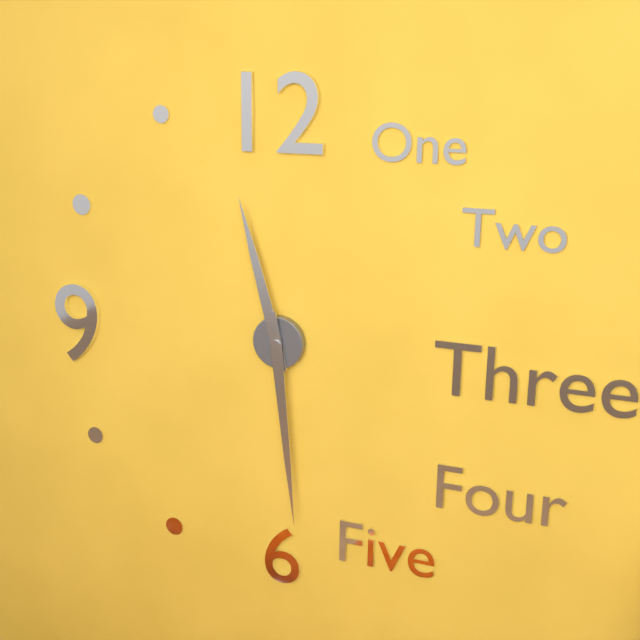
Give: 11h29
